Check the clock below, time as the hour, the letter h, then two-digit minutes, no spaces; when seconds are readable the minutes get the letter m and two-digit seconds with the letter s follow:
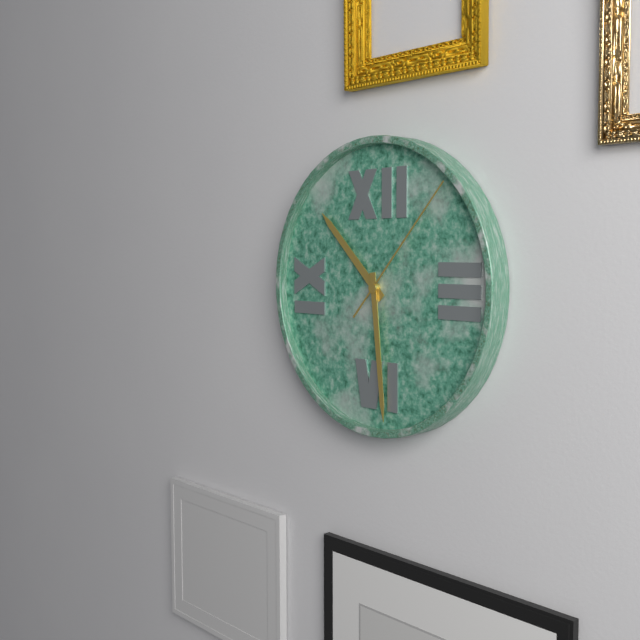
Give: 10h29m07s
